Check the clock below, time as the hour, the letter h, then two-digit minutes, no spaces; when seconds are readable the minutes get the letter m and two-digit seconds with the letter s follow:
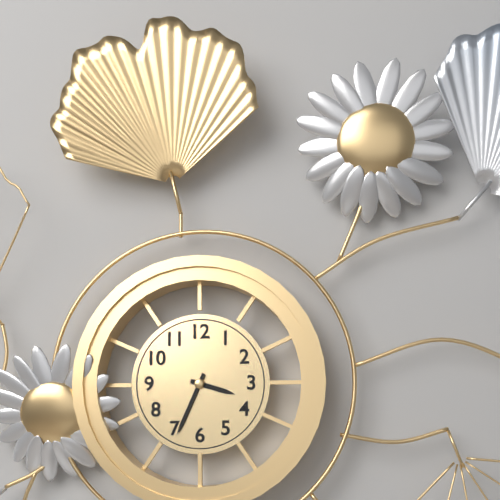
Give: 3h34
